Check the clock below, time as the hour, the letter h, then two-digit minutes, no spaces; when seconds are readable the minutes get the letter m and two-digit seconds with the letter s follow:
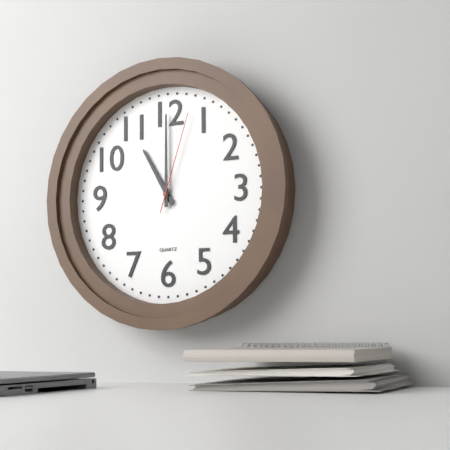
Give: 11h00m03s
